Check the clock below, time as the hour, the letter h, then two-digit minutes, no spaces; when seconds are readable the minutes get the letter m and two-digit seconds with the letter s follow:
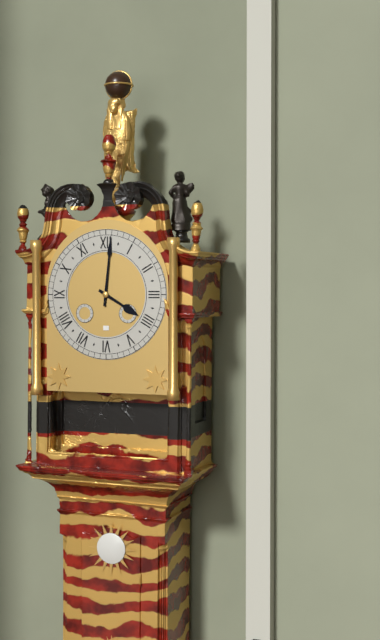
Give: 4h01
